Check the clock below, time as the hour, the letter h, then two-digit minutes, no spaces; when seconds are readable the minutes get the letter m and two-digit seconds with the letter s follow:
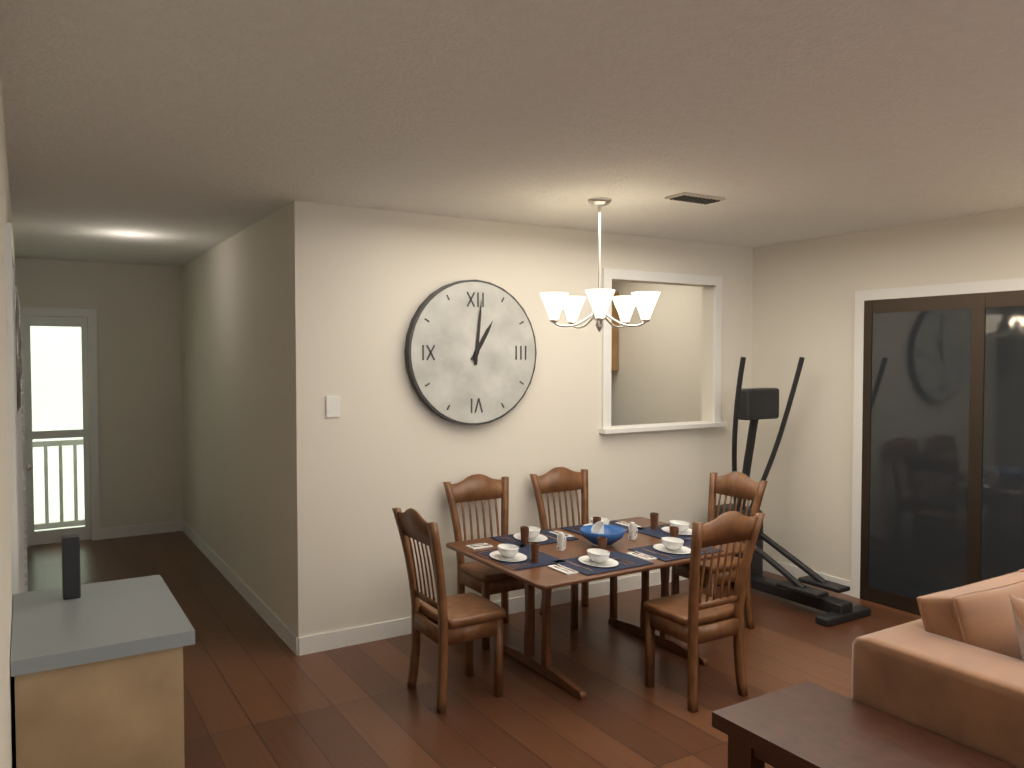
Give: 1h01
